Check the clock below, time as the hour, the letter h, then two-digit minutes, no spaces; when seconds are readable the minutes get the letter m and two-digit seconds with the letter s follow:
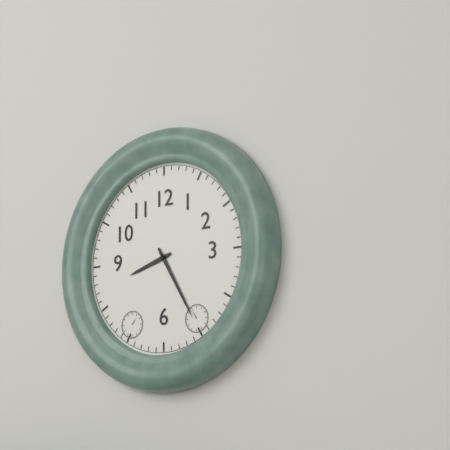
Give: 8h25
